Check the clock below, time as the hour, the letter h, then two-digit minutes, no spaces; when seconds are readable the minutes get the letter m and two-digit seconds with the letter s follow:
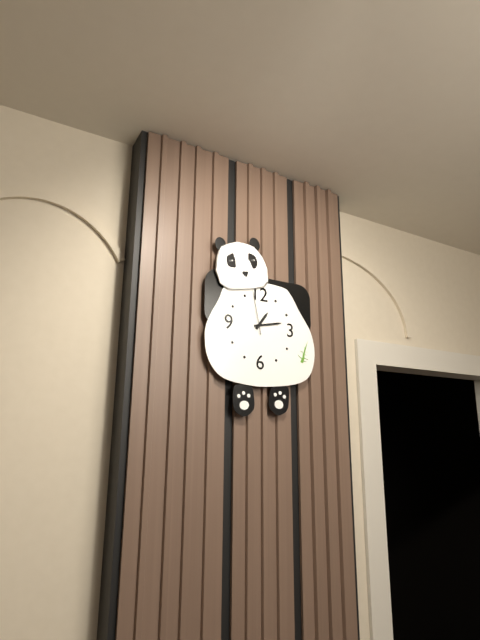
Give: 1h13
